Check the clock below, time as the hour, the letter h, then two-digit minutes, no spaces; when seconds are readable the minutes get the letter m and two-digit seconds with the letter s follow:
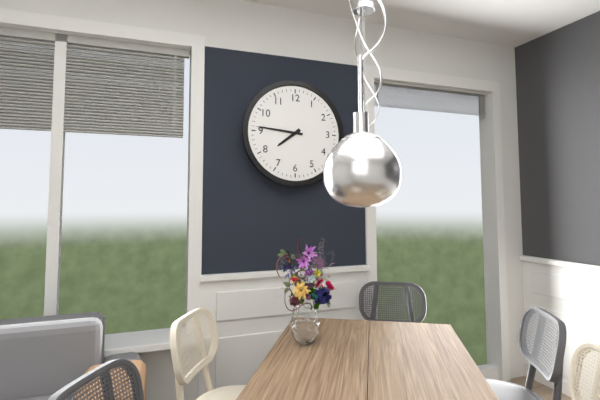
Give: 7h46
